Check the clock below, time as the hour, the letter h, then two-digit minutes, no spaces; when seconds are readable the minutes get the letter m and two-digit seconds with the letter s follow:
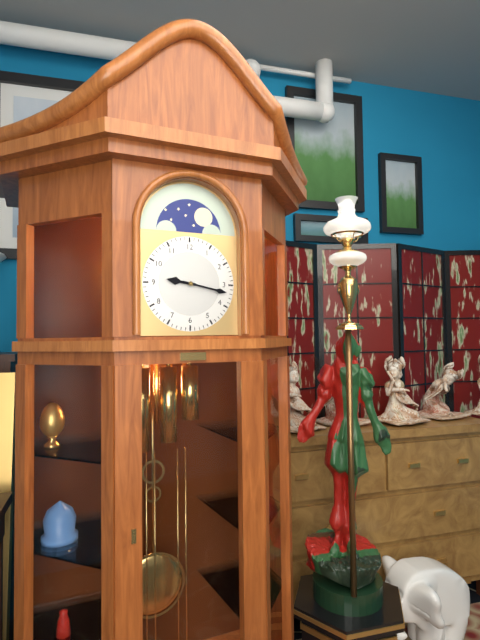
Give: 9h17
